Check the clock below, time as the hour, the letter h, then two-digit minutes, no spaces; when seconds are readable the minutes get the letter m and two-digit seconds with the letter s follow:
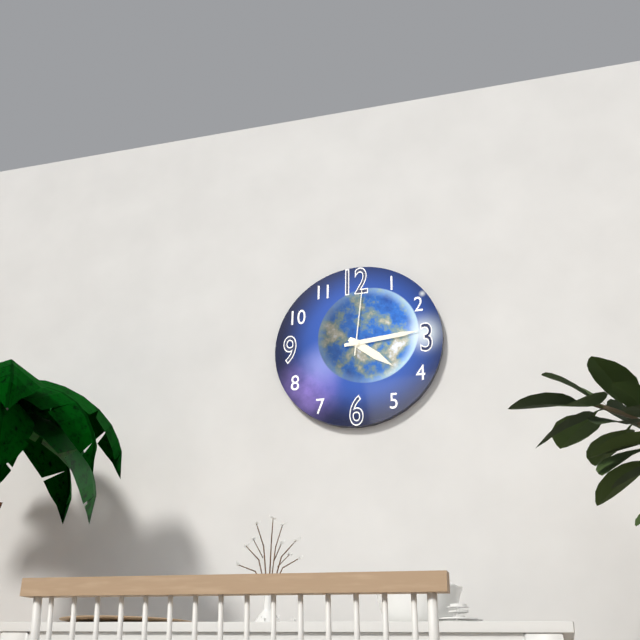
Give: 4h14m01s
